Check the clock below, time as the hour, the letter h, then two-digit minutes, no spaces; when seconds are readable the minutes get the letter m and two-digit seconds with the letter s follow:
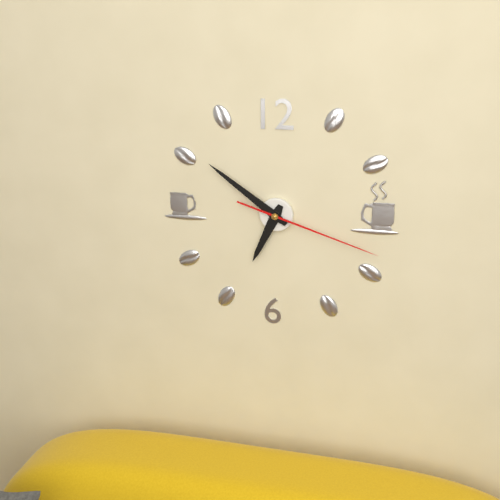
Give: 6h51m18s
